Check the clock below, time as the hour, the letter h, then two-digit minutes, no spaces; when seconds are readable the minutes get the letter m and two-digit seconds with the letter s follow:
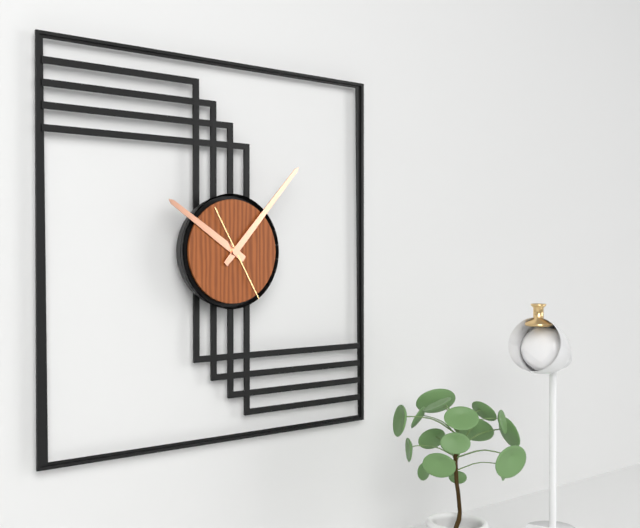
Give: 10h07m25s
